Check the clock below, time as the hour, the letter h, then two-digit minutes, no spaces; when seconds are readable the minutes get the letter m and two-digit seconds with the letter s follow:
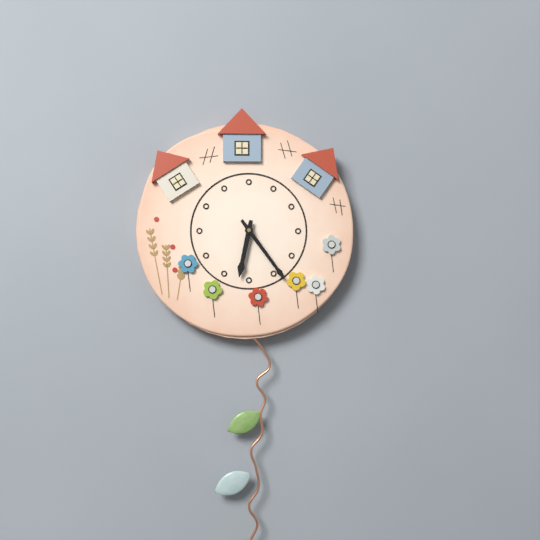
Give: 6h24
